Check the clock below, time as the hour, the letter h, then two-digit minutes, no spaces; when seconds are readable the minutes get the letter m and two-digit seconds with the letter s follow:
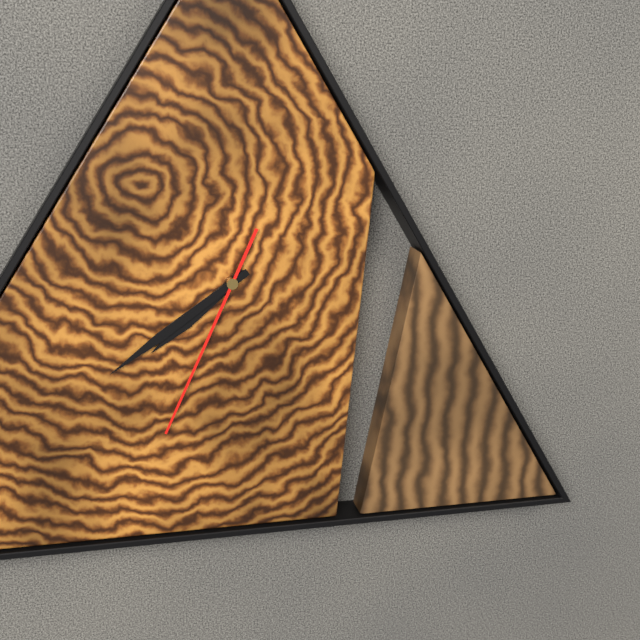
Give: 7h39m34s
